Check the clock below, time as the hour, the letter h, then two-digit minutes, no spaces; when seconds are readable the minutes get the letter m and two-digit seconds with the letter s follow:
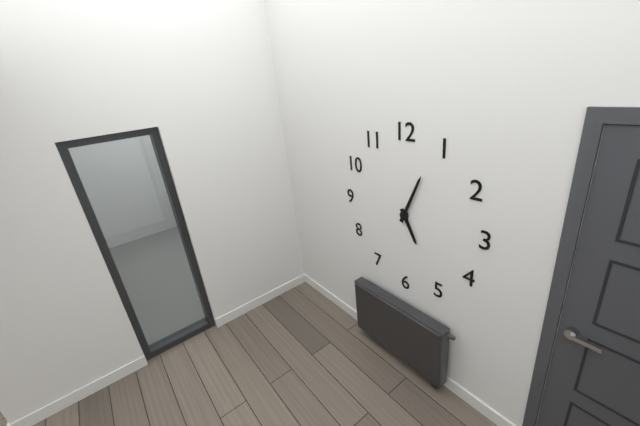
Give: 5h04
